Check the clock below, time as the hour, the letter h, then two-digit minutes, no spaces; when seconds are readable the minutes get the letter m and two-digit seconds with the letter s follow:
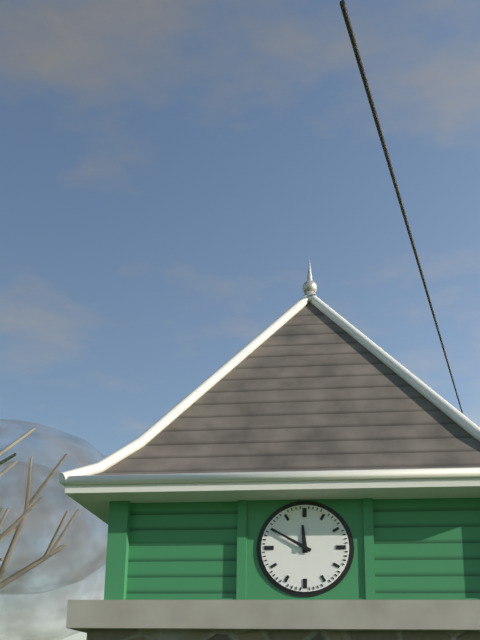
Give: 11h50
